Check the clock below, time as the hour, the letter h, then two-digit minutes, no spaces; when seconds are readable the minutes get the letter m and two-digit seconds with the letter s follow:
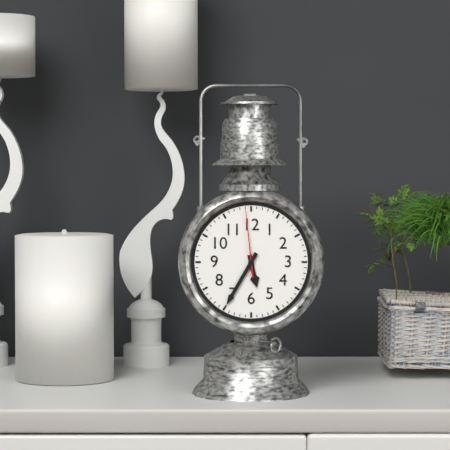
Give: 5h35m59s
